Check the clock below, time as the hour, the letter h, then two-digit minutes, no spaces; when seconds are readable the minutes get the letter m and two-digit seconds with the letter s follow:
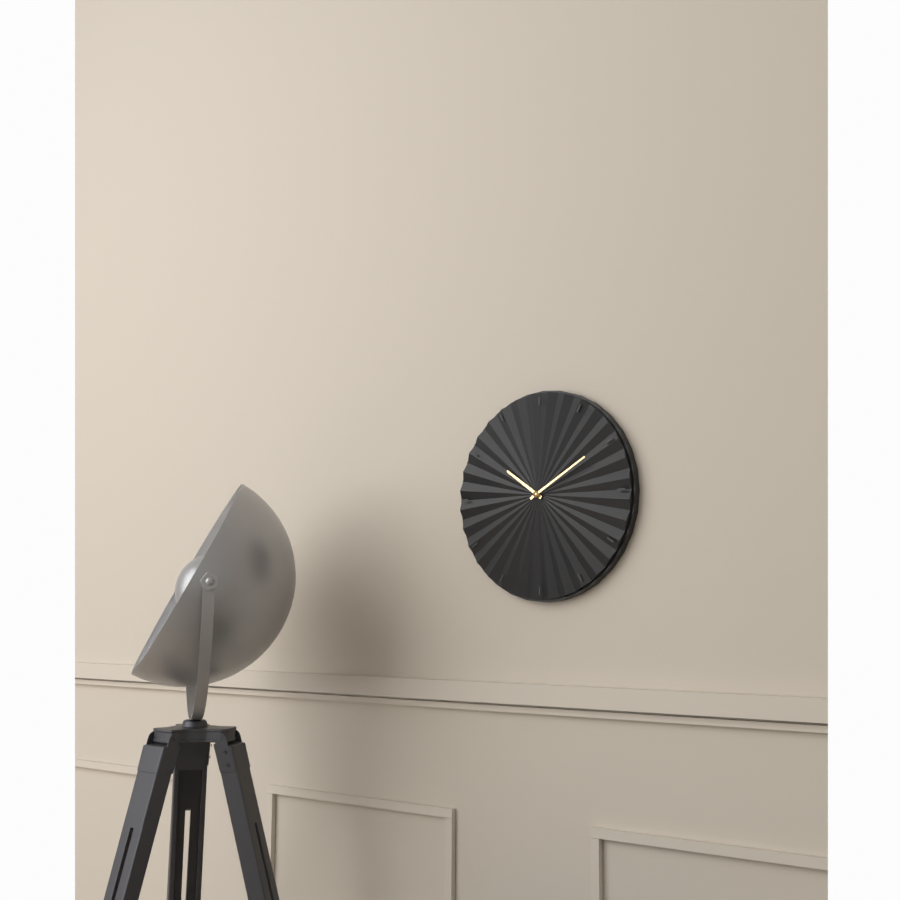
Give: 10h10
